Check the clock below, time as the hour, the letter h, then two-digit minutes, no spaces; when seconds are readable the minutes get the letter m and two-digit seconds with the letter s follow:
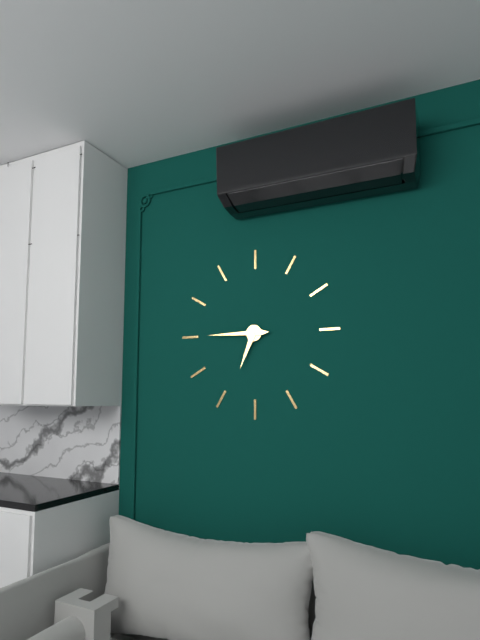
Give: 6h45
